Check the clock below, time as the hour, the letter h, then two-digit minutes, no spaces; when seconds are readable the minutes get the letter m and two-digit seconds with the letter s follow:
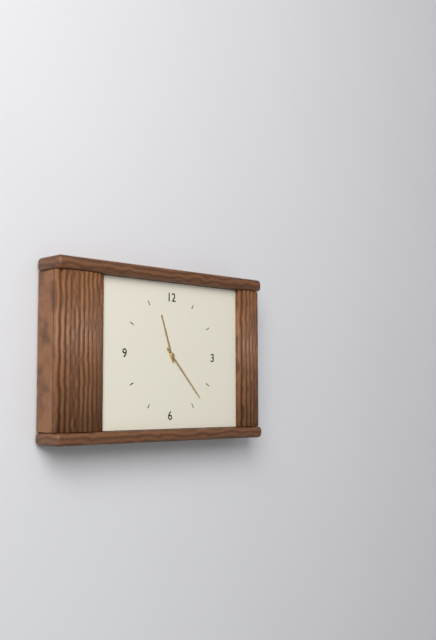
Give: 11h23
